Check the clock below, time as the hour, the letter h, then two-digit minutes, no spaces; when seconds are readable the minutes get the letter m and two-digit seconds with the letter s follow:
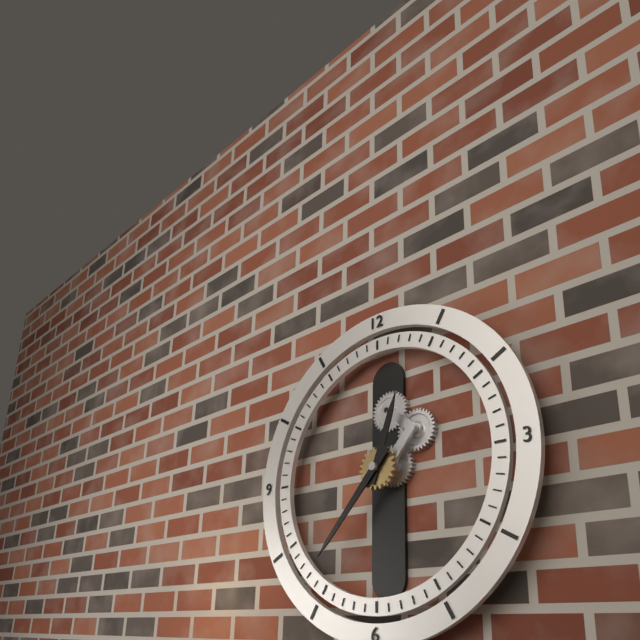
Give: 12h37
